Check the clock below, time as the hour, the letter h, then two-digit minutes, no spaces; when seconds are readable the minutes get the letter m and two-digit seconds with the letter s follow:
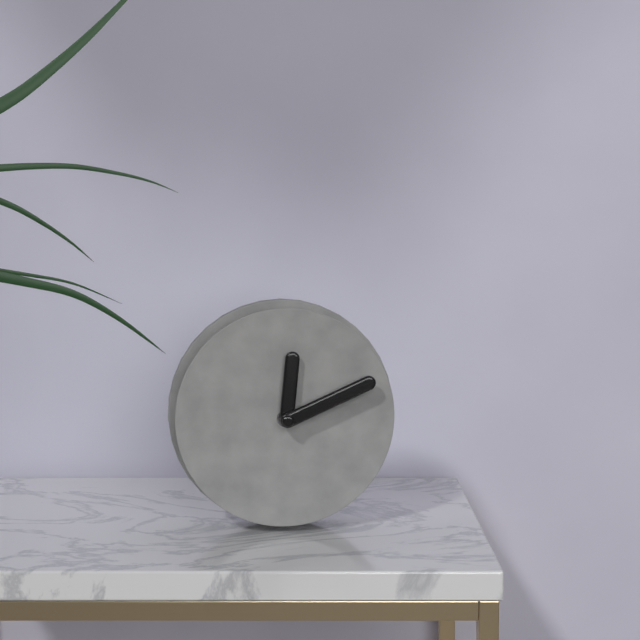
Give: 12h11
